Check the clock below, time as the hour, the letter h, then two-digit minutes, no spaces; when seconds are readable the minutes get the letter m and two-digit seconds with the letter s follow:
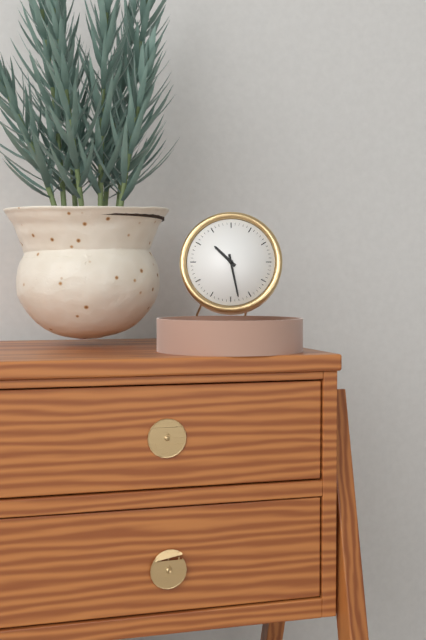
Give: 10h28
